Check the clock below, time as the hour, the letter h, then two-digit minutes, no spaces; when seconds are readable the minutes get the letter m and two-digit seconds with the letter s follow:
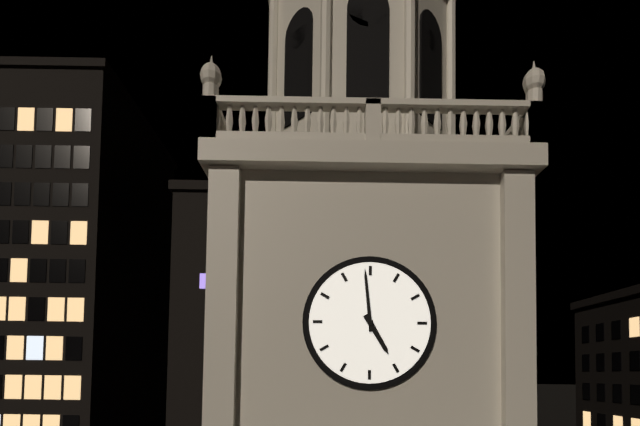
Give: 4h59
